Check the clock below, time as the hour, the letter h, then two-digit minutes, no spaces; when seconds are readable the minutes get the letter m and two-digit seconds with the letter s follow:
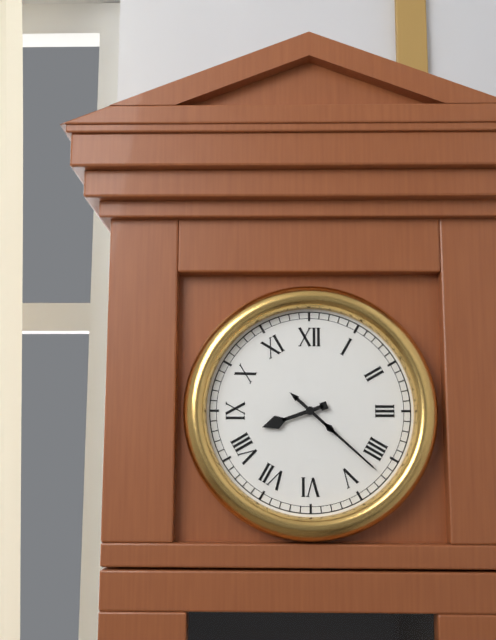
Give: 8h22
